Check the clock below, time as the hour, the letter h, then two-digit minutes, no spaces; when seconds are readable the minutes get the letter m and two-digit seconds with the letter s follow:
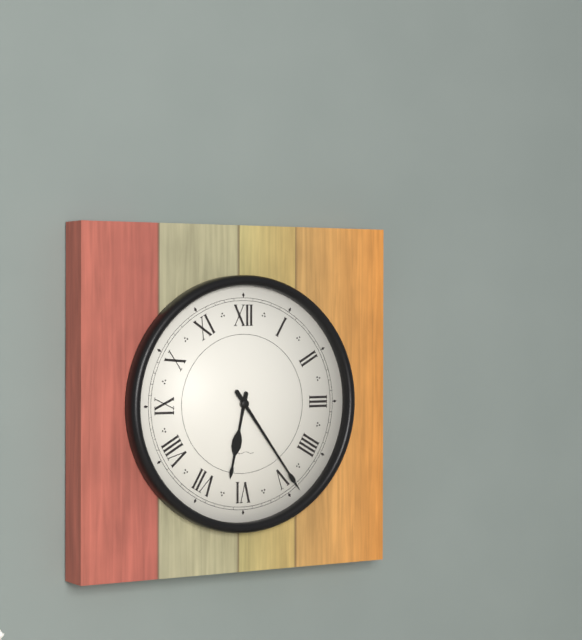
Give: 6h24
